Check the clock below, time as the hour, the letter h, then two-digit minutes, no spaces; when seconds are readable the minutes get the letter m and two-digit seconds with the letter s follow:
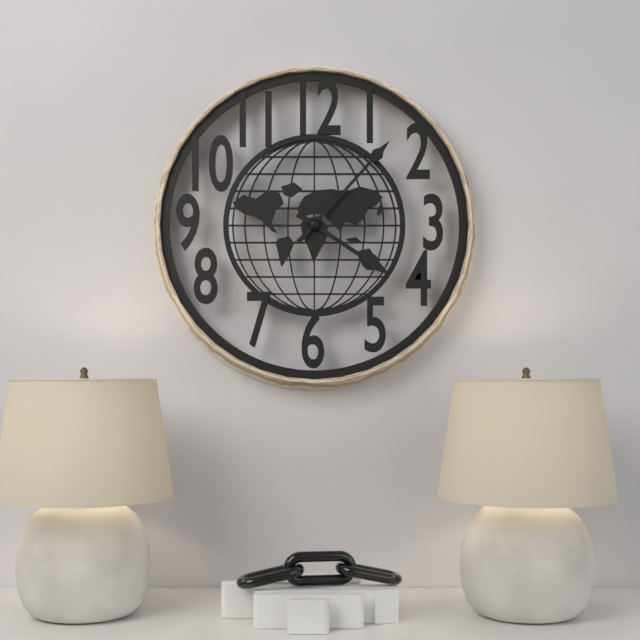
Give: 4h07
